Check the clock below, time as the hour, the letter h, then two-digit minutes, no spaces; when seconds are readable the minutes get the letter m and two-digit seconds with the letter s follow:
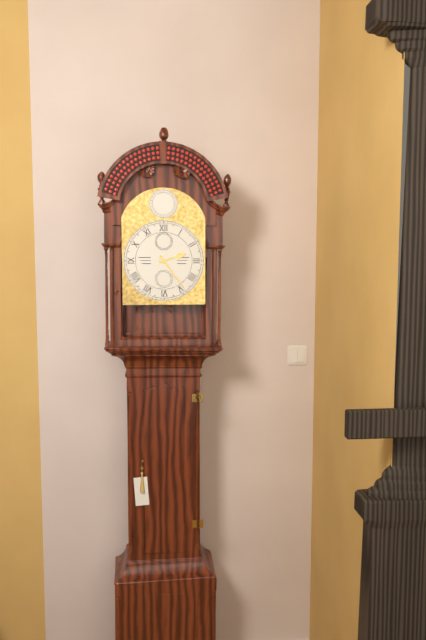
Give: 2h24
